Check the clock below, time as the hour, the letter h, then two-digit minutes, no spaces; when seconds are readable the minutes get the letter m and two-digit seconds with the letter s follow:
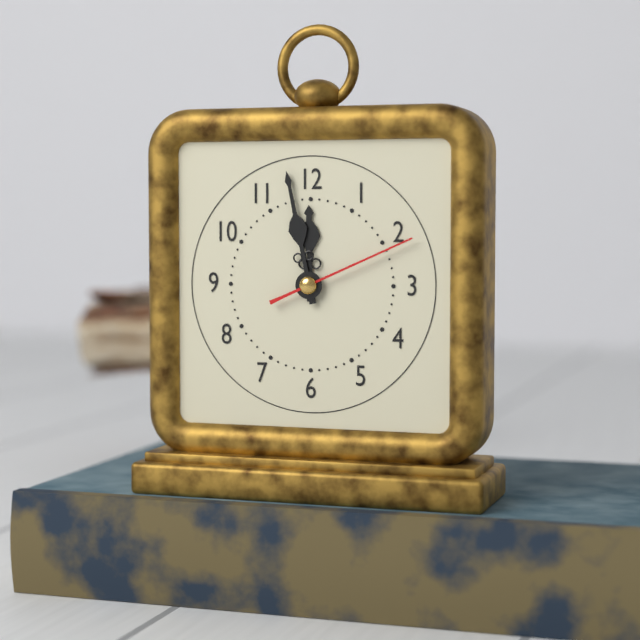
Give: 11h58m11s
